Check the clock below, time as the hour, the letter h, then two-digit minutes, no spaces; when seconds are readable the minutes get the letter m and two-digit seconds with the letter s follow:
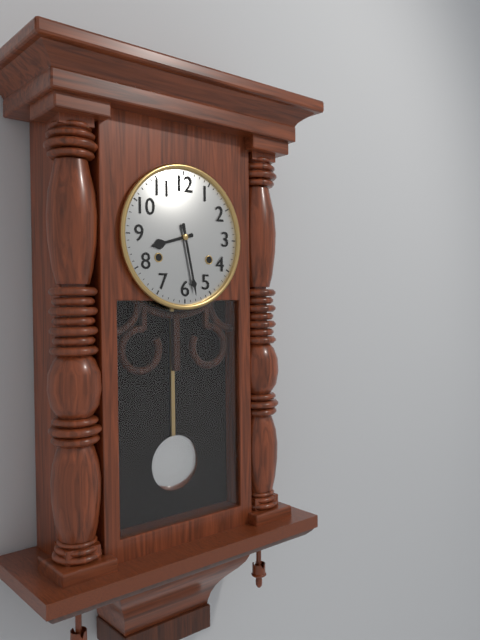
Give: 8h28
